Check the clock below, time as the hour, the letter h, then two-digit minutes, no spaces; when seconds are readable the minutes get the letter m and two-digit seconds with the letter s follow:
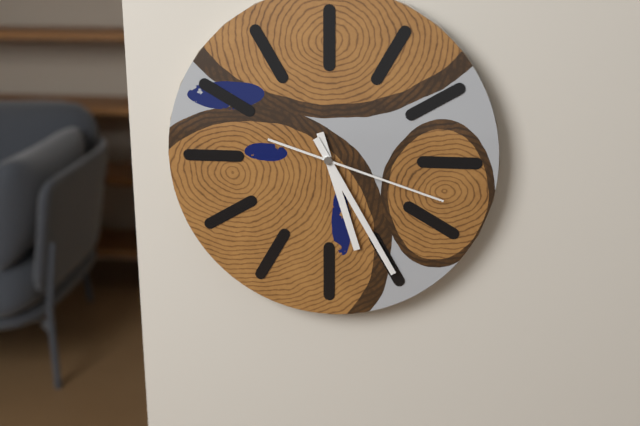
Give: 5h25m18s
